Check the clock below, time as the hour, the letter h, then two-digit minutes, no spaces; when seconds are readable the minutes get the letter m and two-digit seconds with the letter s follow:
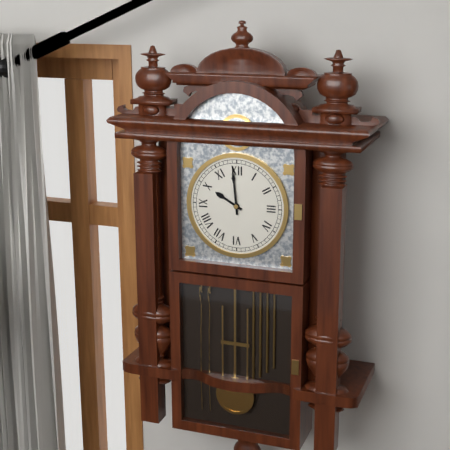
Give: 9h59
